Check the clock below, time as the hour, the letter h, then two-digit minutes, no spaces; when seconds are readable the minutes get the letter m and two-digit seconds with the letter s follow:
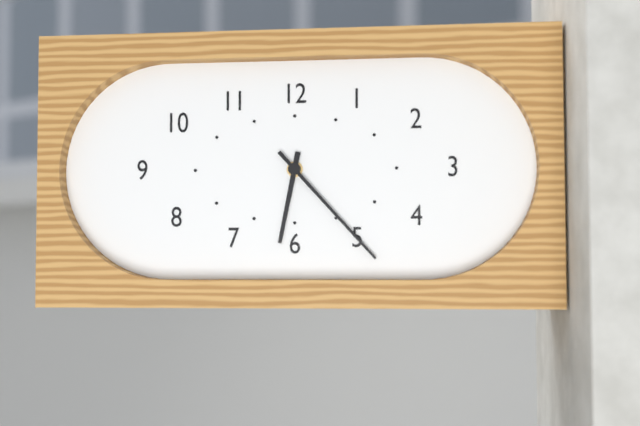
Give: 6h23
